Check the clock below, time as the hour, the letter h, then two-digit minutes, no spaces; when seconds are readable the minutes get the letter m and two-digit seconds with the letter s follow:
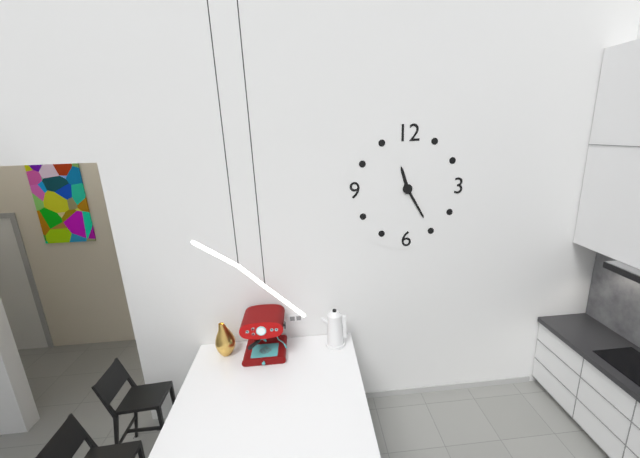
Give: 11h25
